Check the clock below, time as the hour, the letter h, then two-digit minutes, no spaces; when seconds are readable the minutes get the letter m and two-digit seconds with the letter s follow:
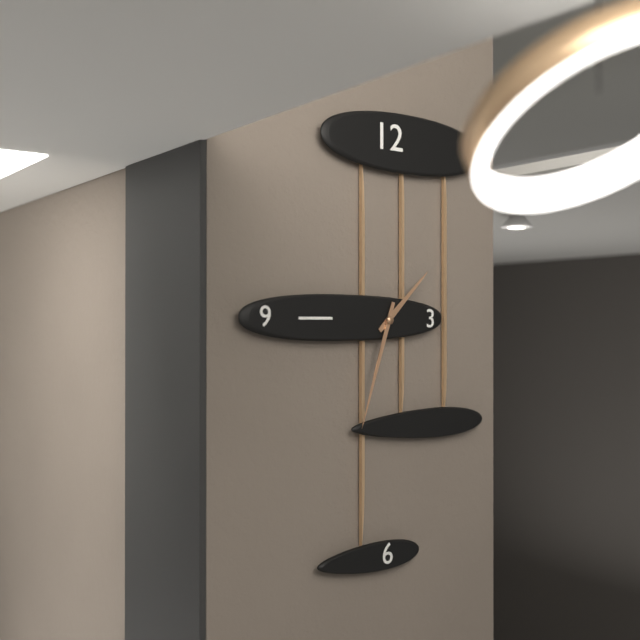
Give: 1h33
